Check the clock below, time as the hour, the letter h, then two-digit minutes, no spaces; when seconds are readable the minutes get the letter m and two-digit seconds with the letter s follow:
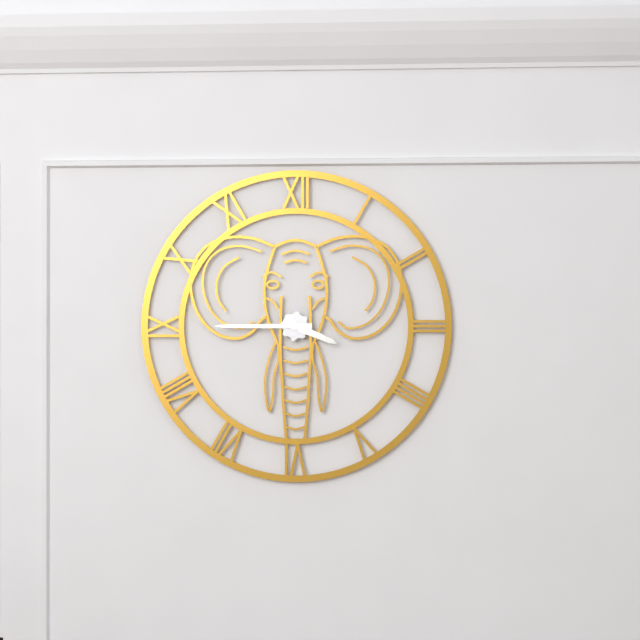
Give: 3h45
